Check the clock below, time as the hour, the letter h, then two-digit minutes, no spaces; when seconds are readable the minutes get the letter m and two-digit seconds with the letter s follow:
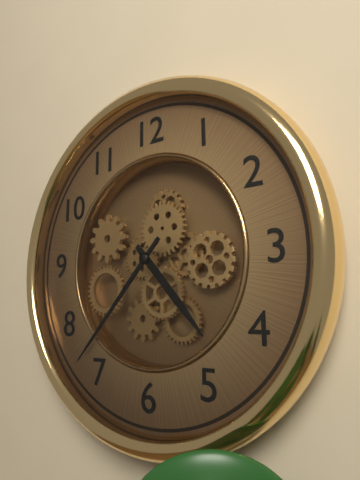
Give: 4h37
